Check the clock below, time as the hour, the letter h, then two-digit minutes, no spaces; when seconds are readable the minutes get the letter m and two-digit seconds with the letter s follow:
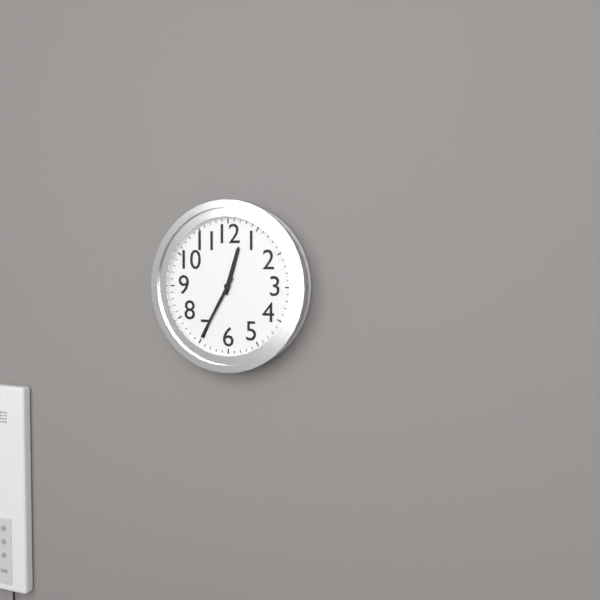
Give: 12h35
